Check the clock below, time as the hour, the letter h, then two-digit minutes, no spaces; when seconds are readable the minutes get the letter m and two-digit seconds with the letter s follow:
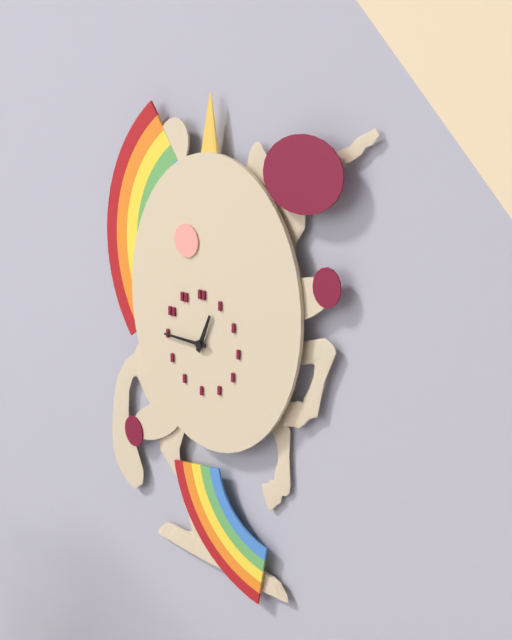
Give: 12h45
